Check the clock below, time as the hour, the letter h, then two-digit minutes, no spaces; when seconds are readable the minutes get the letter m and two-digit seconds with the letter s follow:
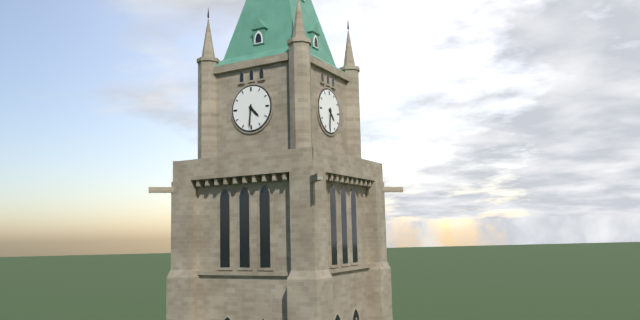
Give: 4h31
